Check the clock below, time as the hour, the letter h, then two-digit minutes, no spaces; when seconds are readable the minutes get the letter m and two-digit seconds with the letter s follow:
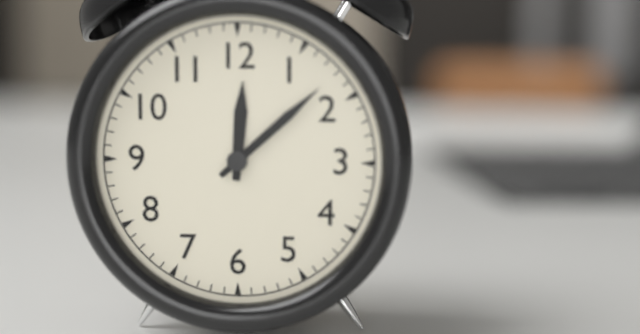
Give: 12h08
